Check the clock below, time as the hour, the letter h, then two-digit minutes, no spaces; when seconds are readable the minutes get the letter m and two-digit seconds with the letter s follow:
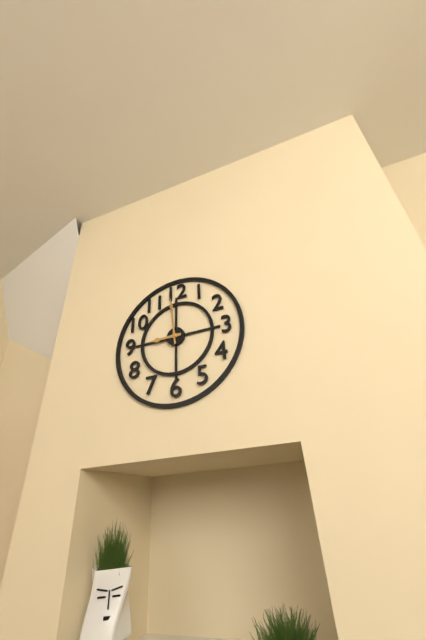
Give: 8h59
